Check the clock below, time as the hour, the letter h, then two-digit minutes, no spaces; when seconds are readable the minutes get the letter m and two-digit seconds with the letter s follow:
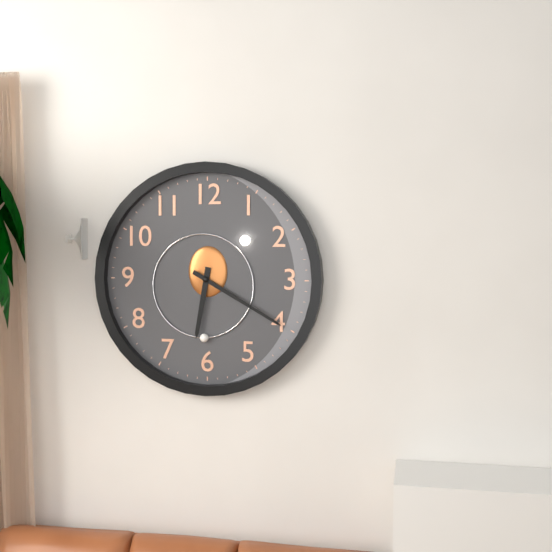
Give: 6h20
